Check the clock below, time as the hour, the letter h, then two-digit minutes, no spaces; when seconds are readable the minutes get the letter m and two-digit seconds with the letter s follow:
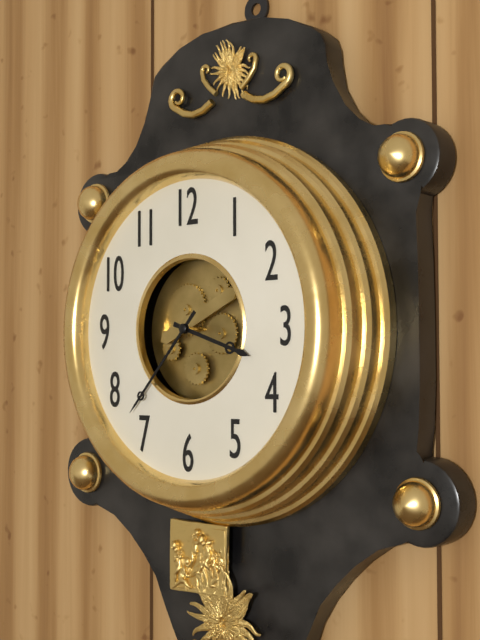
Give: 3h37
